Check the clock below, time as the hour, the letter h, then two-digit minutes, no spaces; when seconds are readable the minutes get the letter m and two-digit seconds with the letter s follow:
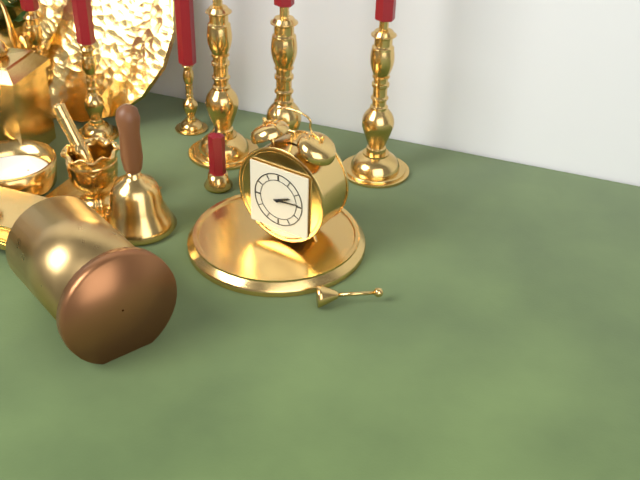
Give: 2h14
